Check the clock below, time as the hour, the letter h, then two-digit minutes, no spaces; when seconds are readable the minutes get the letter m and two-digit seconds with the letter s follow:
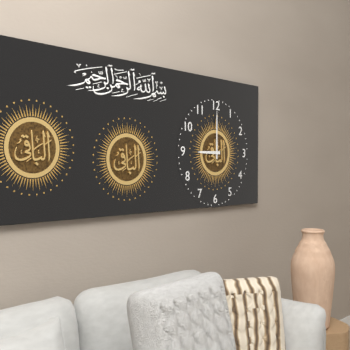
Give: 9h00
